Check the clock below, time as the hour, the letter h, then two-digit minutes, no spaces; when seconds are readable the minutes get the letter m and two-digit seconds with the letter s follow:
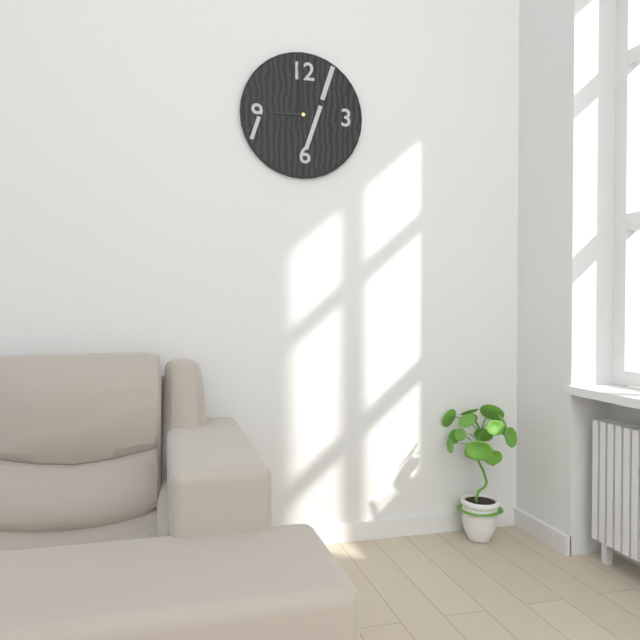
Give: 8h59
